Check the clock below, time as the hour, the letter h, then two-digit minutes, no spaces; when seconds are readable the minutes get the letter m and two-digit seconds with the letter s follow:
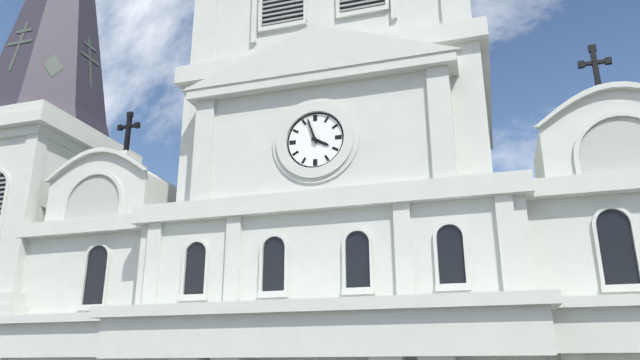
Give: 3h57
